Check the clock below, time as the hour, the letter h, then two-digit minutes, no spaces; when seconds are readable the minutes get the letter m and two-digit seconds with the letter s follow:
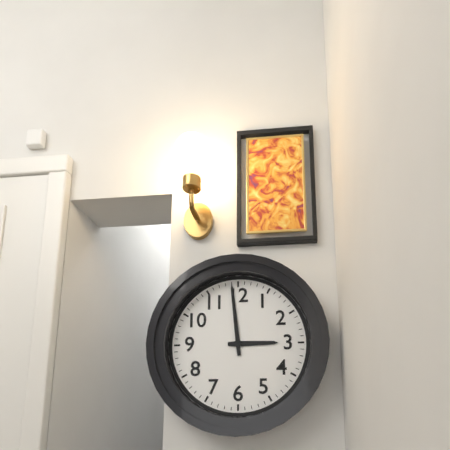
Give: 2h59
